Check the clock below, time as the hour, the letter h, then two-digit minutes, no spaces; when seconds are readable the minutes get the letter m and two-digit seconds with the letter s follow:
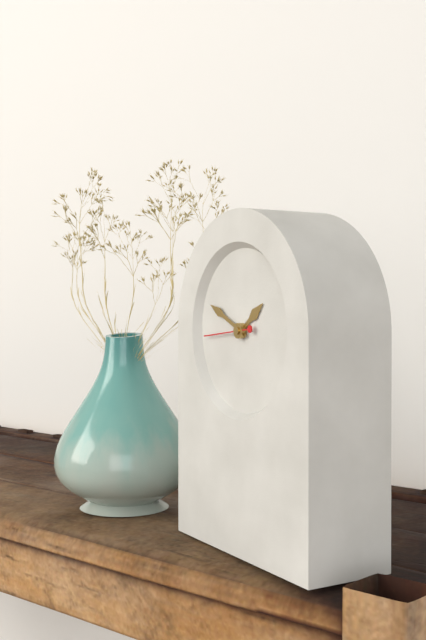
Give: 1h49
